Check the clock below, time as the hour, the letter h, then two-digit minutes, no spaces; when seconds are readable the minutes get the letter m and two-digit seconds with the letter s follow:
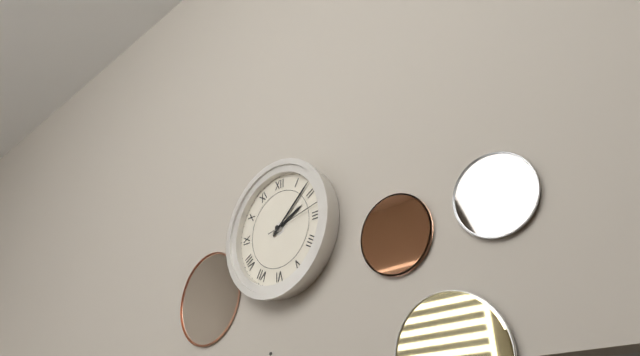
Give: 2h08m13s
